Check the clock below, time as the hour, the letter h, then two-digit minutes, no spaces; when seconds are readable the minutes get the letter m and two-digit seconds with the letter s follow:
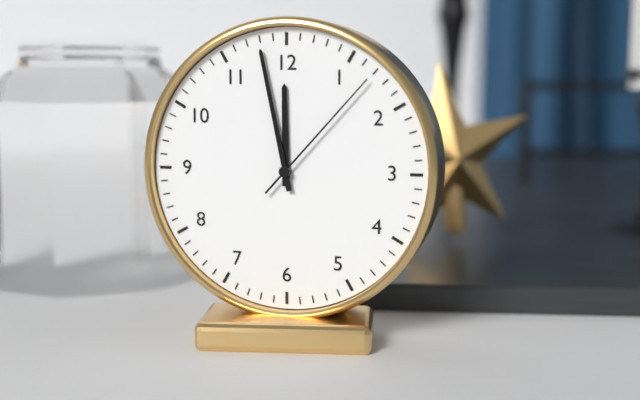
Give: 11h58m07s
